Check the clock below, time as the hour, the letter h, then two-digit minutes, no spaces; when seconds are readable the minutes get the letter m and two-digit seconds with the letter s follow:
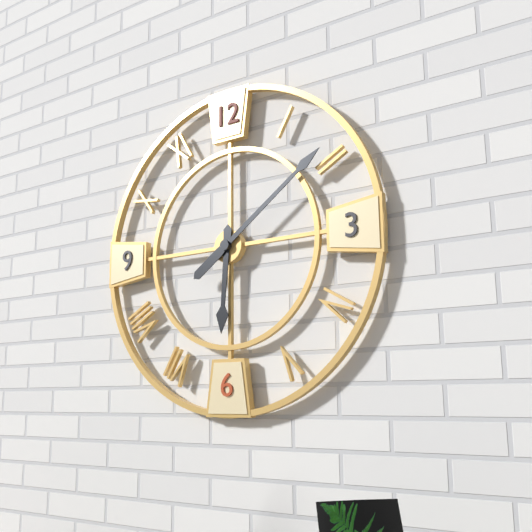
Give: 6h09
